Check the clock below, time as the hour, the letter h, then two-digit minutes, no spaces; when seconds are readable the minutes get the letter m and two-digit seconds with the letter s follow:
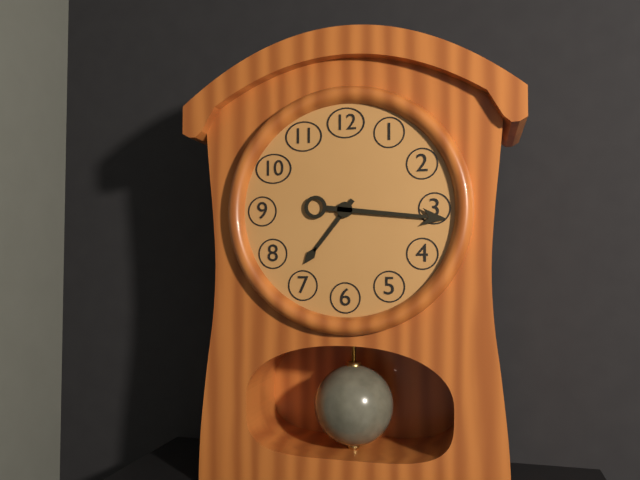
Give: 7h16
